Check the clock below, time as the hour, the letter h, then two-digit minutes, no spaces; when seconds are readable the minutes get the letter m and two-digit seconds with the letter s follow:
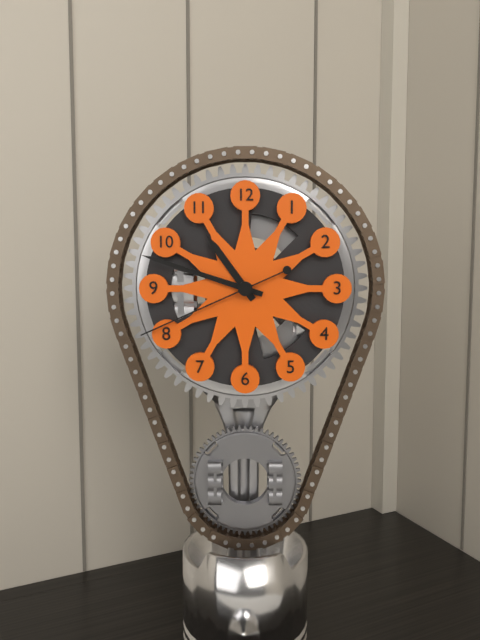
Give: 10h48m41s
